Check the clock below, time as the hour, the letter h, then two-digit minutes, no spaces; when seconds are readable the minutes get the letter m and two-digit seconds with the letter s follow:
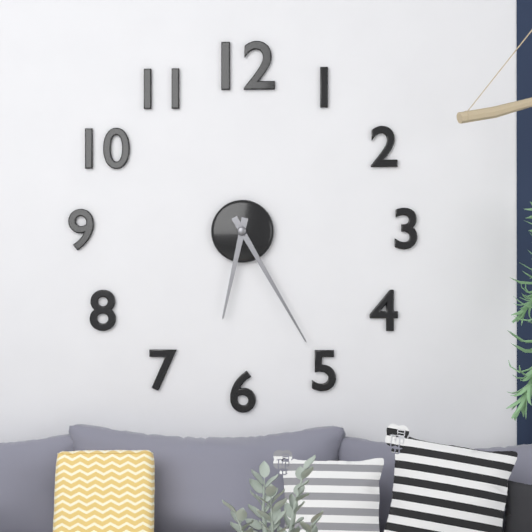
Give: 6h25
